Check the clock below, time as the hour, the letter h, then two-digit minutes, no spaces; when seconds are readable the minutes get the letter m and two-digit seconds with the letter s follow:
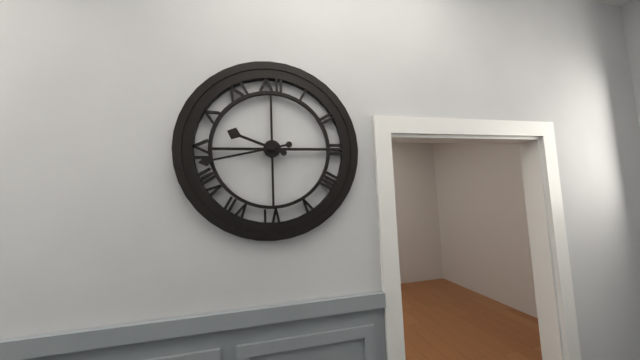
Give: 9h43
